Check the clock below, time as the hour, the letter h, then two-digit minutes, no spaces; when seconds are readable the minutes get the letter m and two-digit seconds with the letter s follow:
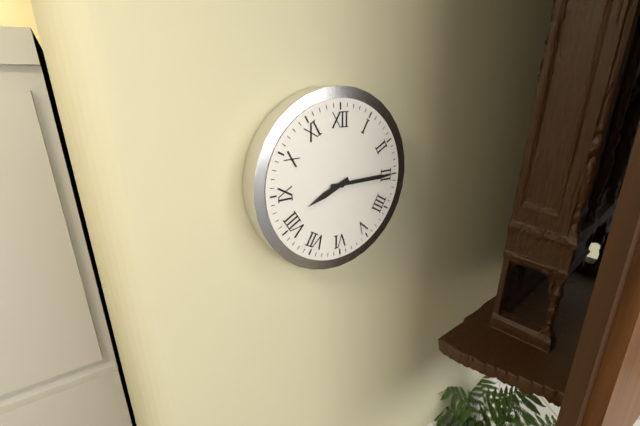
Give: 8h15
